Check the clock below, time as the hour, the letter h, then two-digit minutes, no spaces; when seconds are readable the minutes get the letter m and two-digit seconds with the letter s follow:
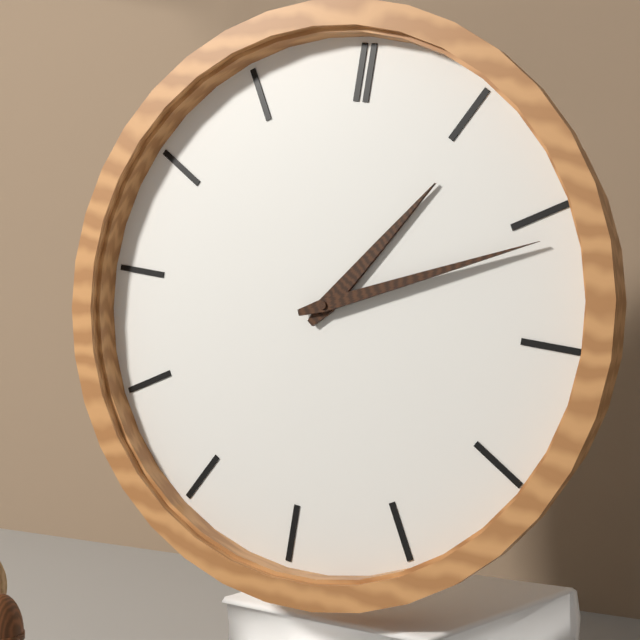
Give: 1h11
